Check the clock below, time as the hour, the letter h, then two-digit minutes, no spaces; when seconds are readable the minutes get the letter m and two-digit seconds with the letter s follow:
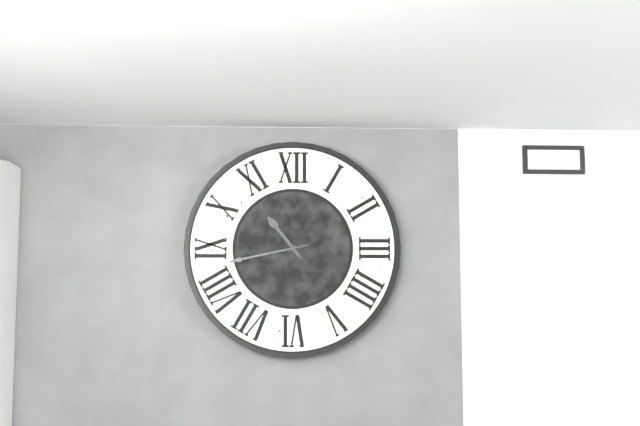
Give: 10h43
